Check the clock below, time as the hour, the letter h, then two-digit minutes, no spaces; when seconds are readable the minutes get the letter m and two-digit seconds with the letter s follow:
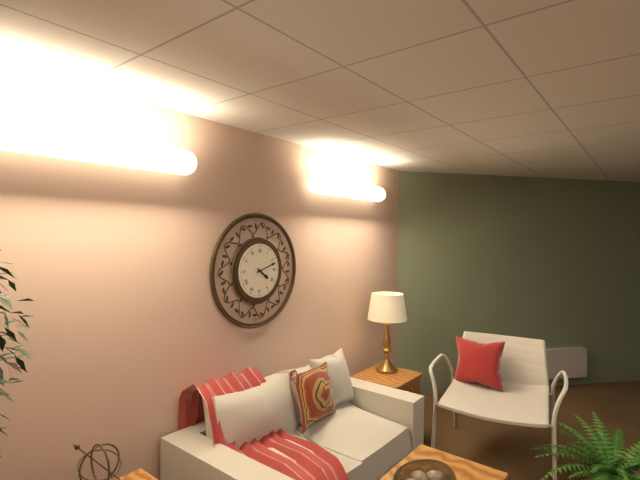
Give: 4h12
